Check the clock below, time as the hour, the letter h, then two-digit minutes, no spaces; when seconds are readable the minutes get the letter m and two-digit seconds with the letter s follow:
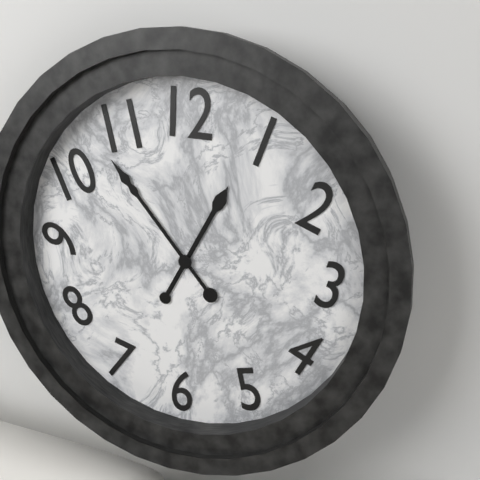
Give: 12h53
